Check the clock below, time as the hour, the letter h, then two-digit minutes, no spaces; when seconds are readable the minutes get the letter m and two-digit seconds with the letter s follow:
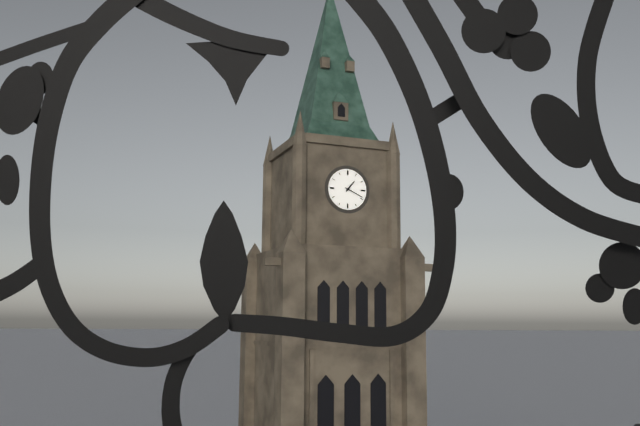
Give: 1h19
